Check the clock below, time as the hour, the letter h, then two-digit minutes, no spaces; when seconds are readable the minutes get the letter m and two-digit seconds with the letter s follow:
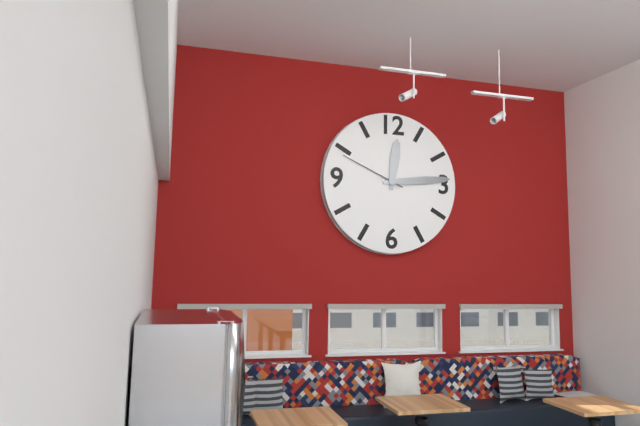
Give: 12h14m49s
